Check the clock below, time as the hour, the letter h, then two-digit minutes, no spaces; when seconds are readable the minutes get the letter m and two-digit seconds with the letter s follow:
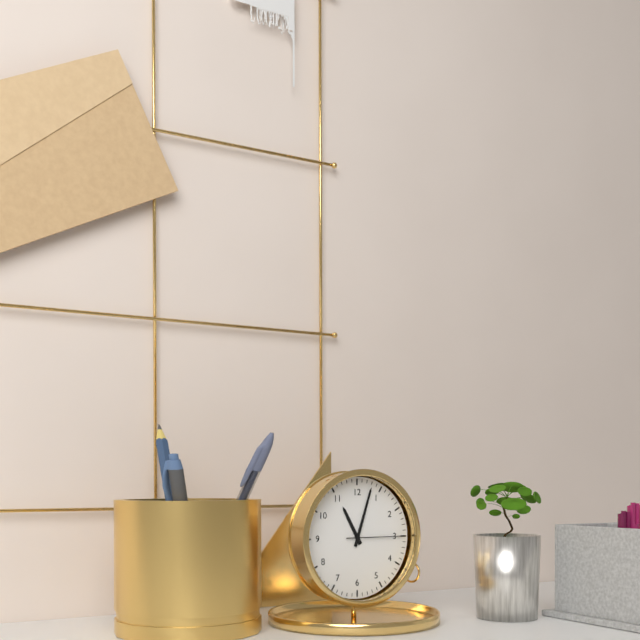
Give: 11h03m15s
